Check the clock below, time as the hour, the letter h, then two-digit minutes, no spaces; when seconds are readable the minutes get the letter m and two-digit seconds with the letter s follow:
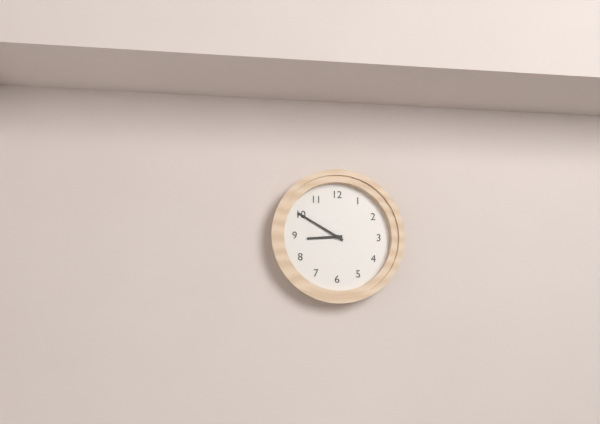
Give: 8h50
